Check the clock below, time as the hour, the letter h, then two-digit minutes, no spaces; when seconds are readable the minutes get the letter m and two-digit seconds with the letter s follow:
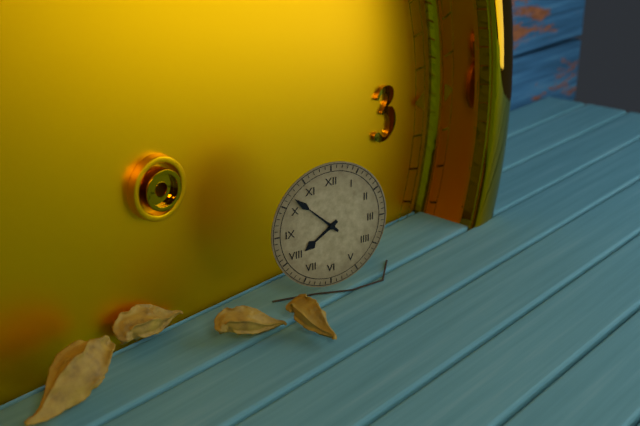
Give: 7h52
